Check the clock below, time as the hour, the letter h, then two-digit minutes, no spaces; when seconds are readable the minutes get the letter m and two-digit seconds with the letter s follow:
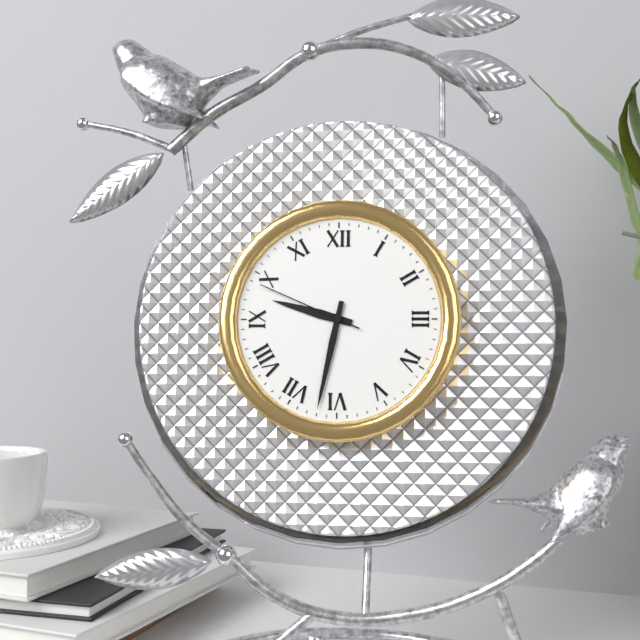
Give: 9h32m49s
